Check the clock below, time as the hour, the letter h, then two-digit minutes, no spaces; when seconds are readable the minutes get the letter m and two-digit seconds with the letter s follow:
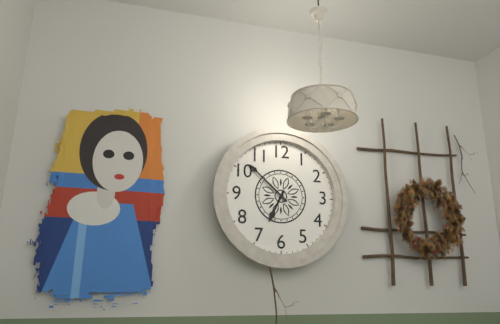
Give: 6h52
